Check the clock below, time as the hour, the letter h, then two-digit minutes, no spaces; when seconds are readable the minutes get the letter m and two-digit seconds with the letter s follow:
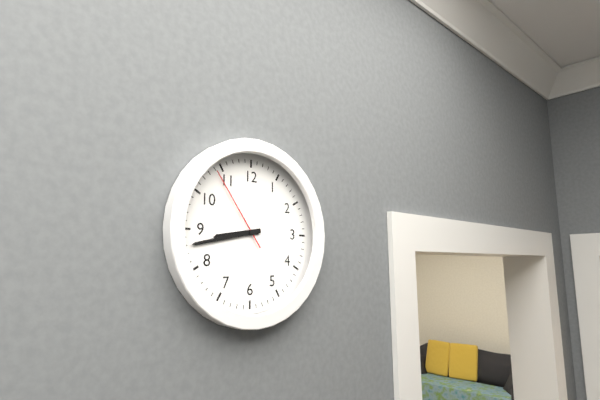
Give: 8h43m54s
